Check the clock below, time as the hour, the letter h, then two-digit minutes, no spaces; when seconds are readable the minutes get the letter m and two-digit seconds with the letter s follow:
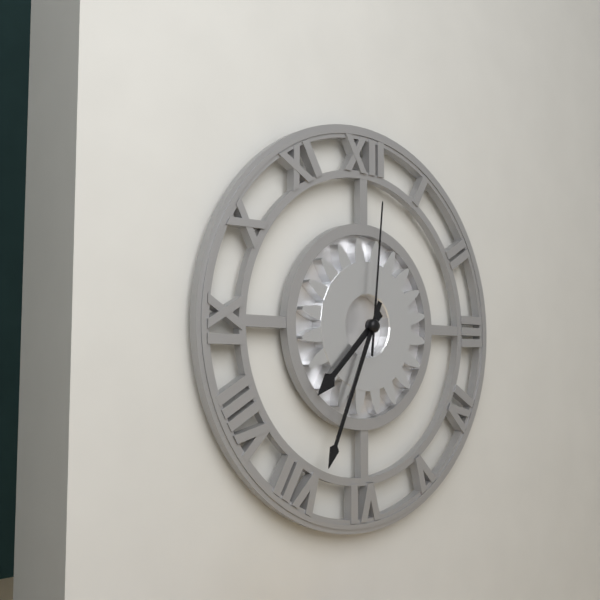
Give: 7h34m01s
